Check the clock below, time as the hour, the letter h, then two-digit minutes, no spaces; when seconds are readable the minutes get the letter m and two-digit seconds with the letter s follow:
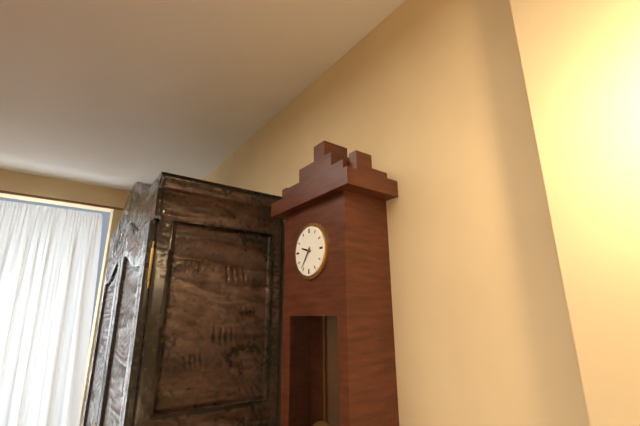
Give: 9h36
